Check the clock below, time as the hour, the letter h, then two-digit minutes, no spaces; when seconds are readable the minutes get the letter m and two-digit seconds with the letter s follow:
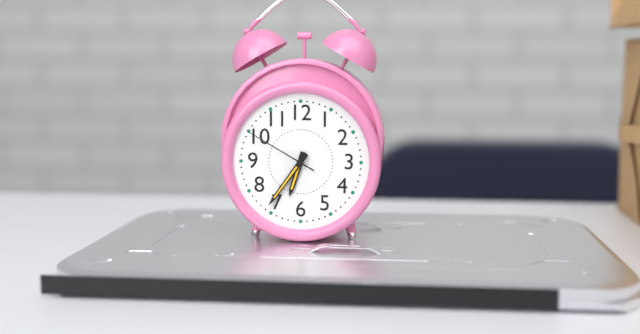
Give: 6h36m50s
